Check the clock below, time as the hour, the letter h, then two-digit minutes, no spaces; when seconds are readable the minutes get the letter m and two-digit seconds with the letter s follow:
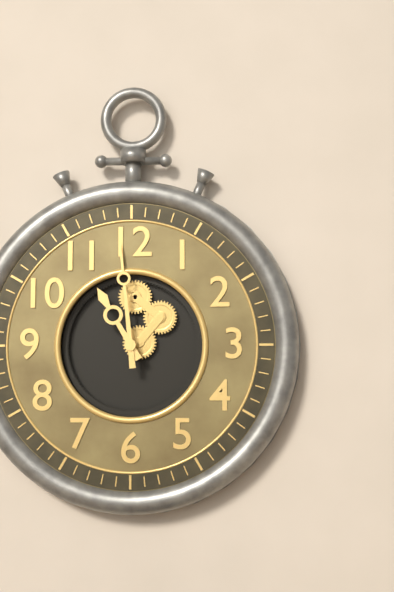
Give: 10h59
